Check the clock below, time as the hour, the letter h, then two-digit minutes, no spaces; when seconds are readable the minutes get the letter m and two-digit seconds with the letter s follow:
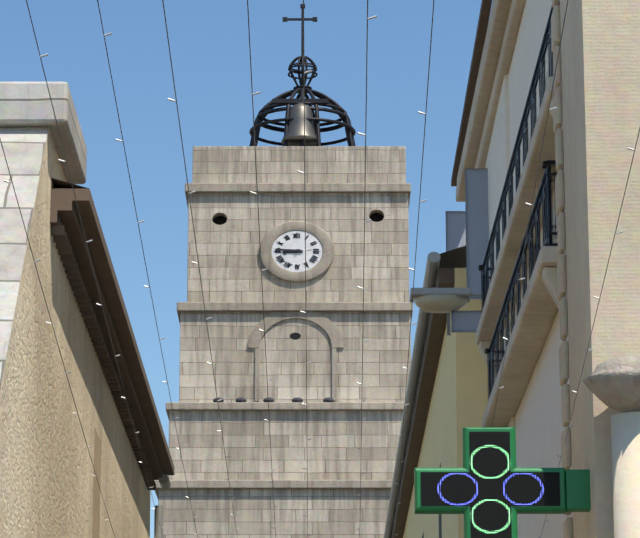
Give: 8h46
